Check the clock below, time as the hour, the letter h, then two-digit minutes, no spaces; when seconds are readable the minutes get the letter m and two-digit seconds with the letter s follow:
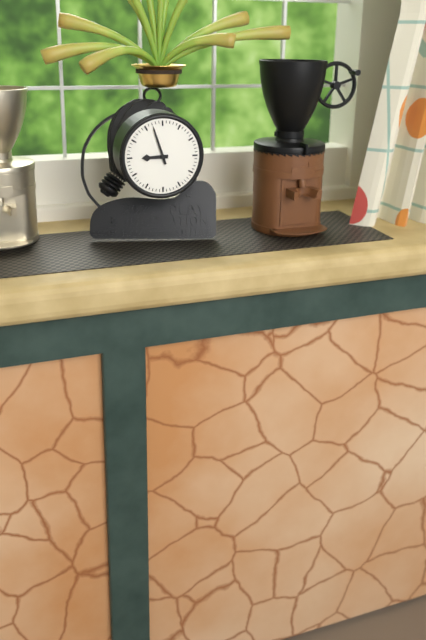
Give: 8h57
